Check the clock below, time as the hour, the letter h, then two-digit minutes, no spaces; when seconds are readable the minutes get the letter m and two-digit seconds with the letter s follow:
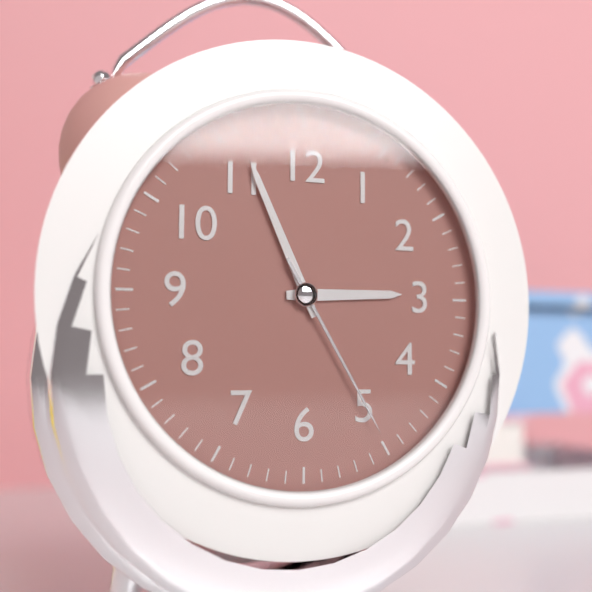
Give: 2h56m25s
